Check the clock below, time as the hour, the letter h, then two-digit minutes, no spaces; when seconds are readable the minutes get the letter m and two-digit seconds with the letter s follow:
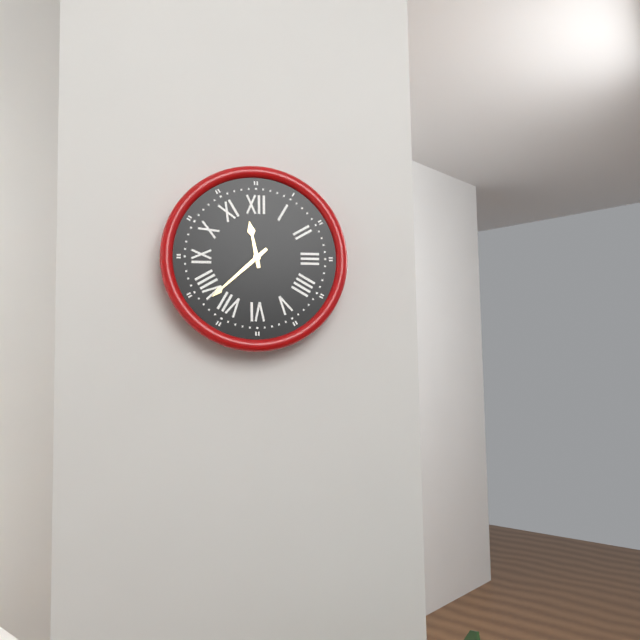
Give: 11h38
